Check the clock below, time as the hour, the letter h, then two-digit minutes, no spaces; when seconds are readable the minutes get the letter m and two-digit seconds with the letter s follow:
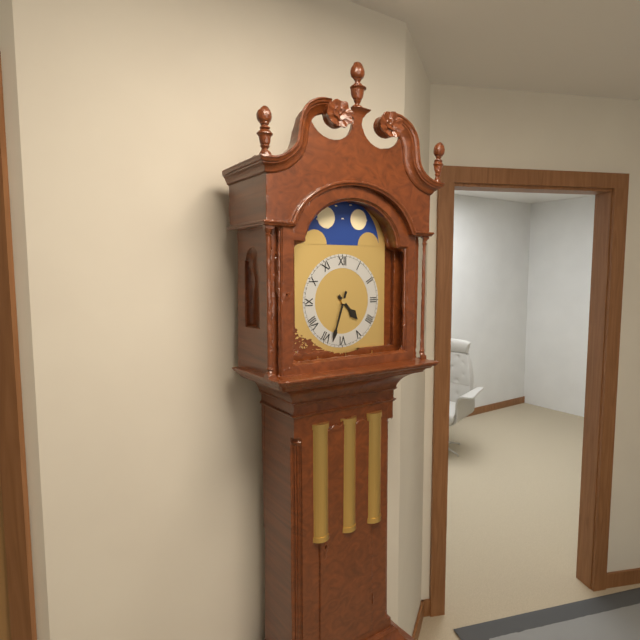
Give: 4h33
